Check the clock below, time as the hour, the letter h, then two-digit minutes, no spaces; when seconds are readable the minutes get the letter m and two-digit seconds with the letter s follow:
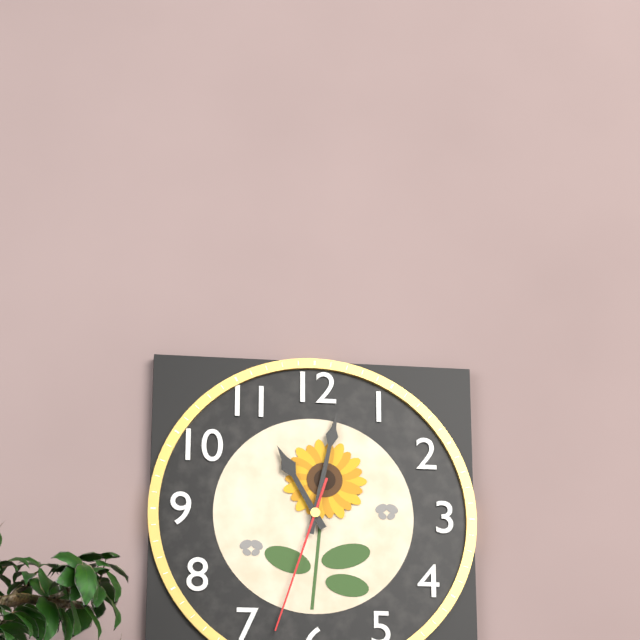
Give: 11h02m33s
